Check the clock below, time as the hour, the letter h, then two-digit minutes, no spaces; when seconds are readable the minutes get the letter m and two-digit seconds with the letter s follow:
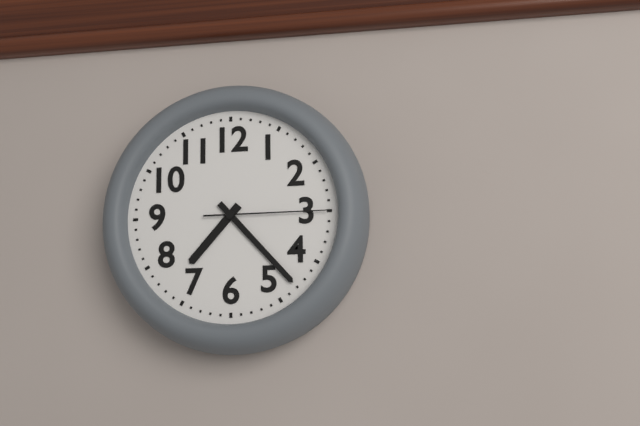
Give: 7h23m15s
